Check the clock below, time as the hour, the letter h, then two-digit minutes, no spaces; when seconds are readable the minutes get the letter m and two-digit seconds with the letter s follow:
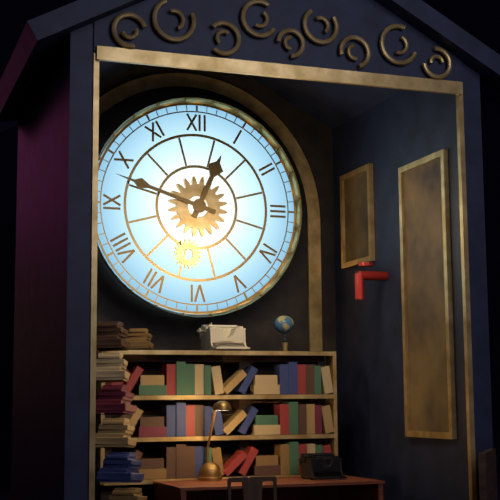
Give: 12h48
